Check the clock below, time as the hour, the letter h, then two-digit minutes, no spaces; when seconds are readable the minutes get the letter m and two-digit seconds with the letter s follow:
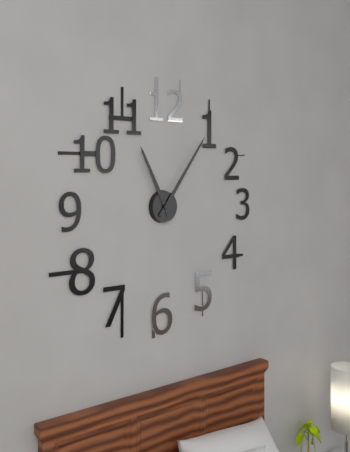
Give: 11h06
